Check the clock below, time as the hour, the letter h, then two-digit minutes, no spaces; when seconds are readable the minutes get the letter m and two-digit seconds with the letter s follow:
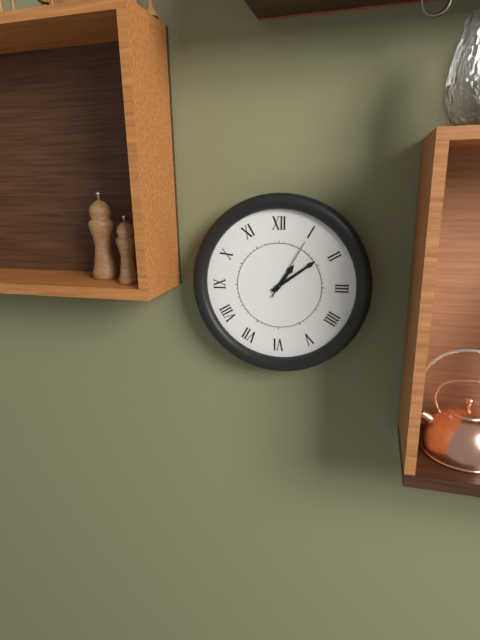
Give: 1h09m05s
